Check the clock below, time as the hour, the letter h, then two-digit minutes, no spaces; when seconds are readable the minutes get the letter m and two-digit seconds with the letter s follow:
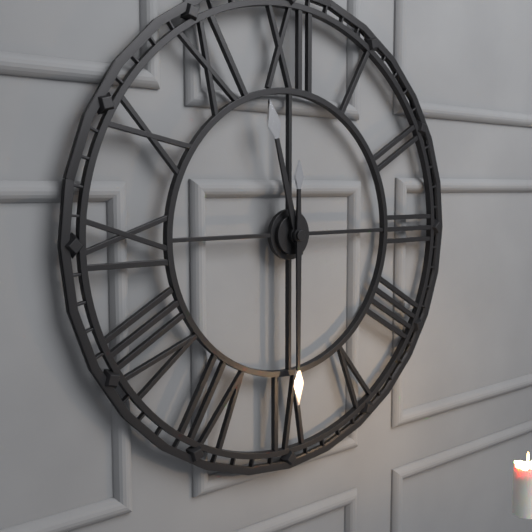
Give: 11h30
